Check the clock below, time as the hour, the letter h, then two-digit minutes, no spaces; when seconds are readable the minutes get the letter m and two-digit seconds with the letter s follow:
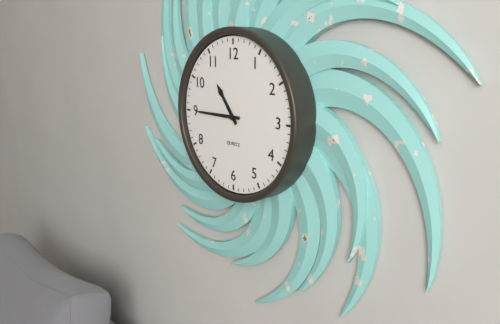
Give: 10h45
